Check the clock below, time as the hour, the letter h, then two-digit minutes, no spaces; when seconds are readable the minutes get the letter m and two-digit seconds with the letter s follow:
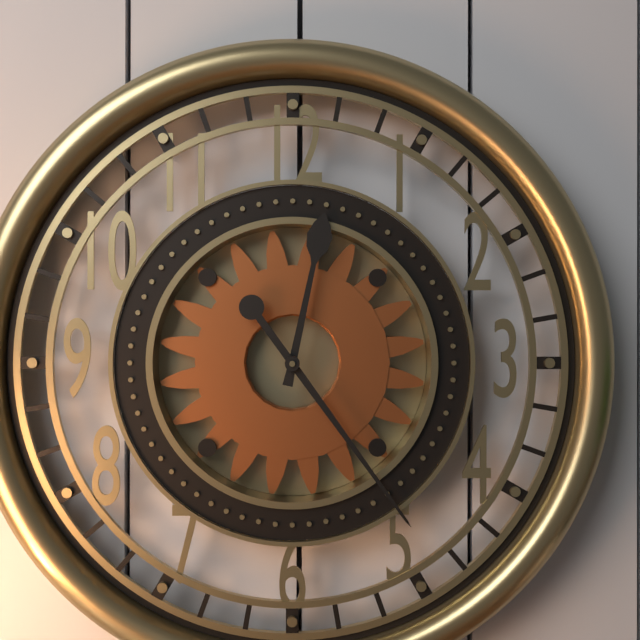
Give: 12h24
